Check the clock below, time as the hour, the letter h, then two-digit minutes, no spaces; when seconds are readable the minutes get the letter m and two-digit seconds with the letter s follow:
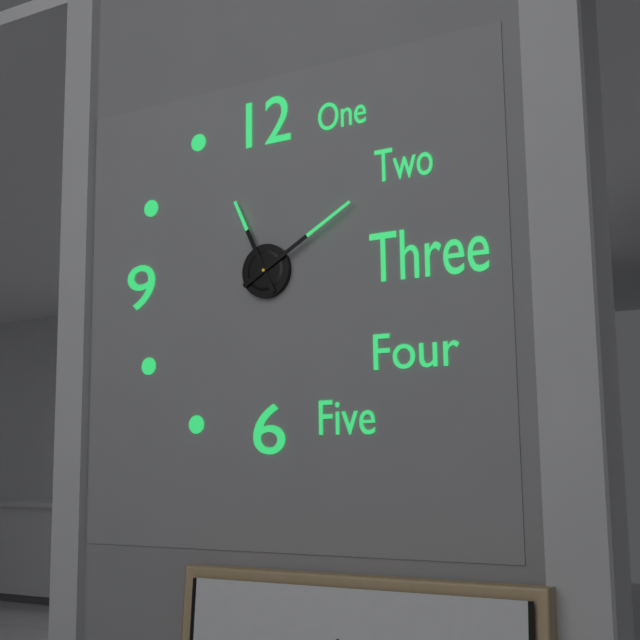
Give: 11h10
